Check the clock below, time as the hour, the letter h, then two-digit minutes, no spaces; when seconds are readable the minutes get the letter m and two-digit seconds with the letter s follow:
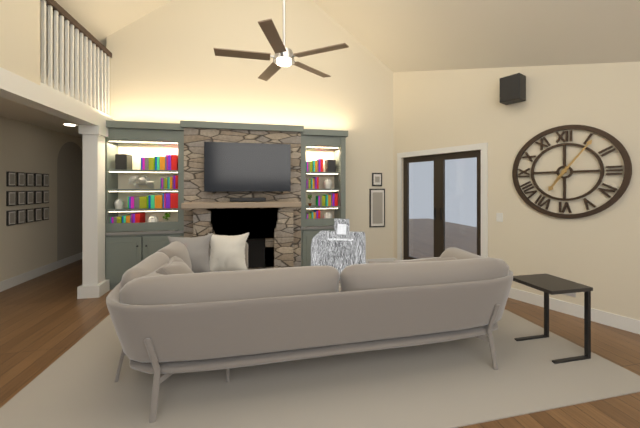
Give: 7h06
